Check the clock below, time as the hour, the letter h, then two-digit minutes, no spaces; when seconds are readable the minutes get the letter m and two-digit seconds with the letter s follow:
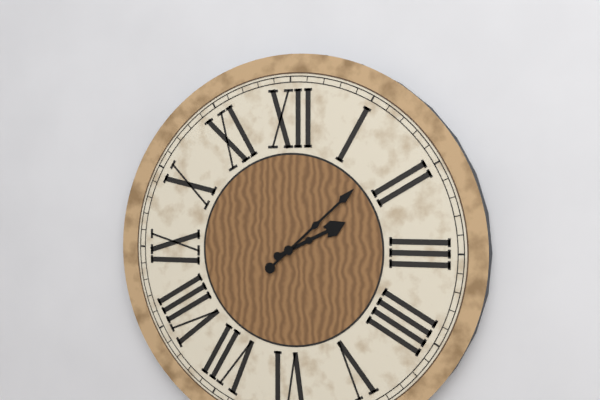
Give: 2h08
